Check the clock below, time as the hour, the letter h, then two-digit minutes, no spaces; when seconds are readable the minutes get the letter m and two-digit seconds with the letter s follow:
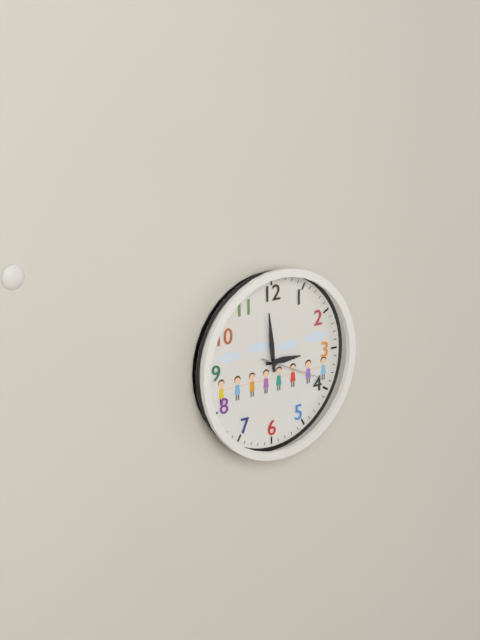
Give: 2h59m19s
